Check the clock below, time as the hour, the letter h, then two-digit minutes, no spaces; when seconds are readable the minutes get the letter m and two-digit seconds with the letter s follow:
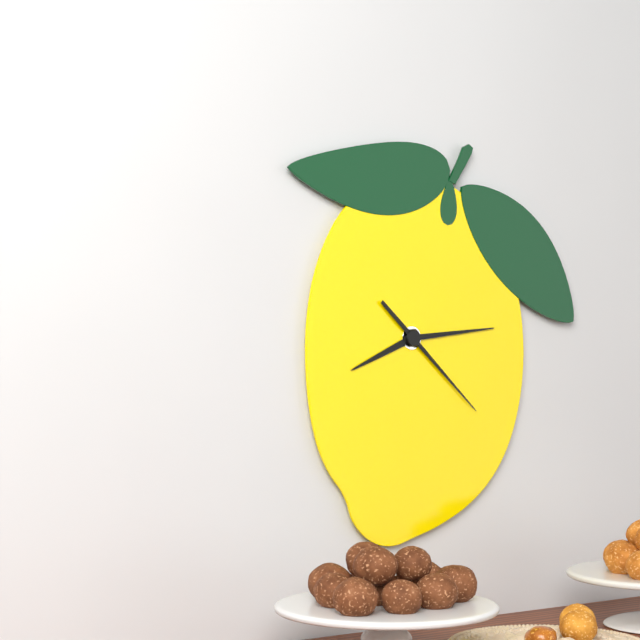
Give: 8h14m22s
